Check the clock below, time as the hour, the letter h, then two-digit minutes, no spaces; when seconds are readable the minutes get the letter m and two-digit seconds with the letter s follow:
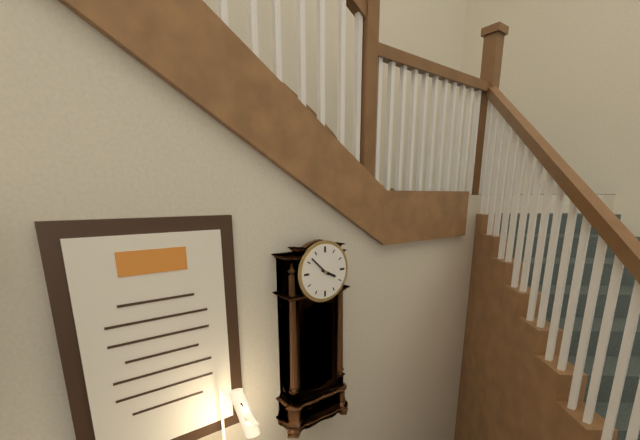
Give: 3h52
